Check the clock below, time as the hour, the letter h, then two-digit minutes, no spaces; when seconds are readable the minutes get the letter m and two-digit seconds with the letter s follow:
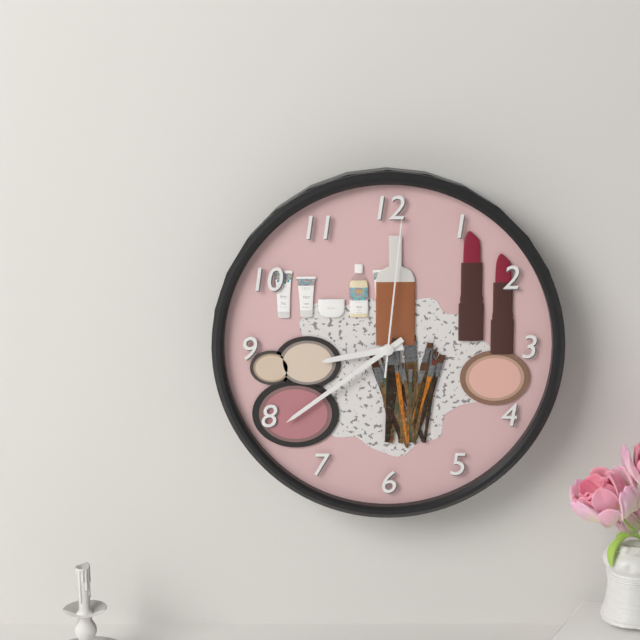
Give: 8h39m01s
